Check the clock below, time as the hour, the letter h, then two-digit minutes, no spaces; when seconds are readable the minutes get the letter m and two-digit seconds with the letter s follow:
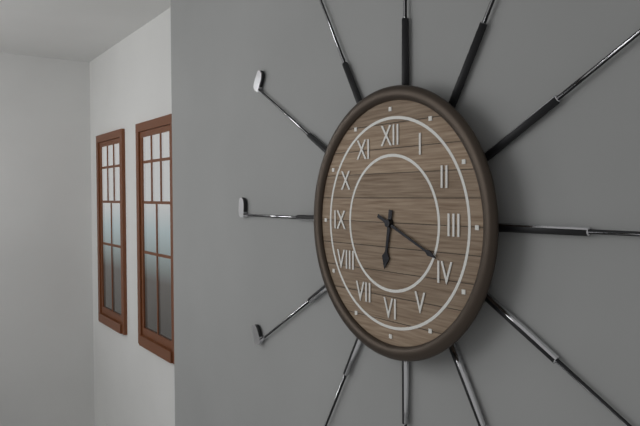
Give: 6h19
